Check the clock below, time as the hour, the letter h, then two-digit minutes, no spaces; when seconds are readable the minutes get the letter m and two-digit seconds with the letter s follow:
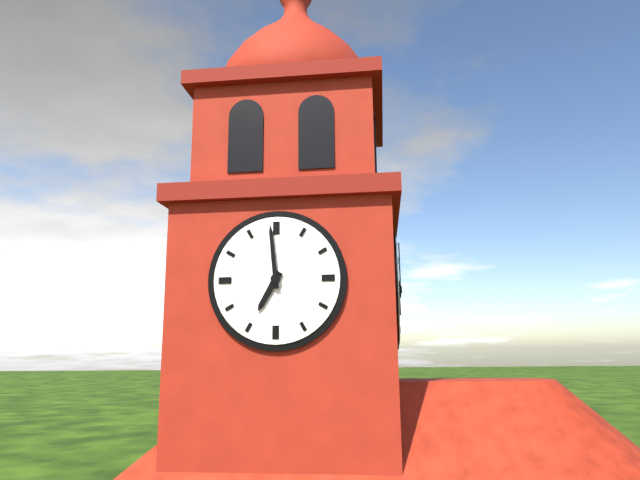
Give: 6h59
